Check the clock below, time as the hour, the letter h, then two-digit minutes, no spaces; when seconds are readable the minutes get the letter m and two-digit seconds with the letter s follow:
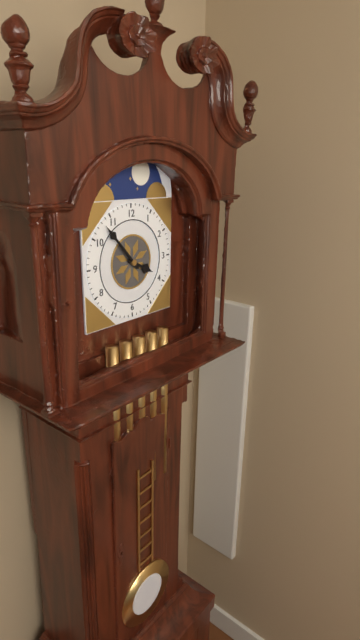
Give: 3h53
